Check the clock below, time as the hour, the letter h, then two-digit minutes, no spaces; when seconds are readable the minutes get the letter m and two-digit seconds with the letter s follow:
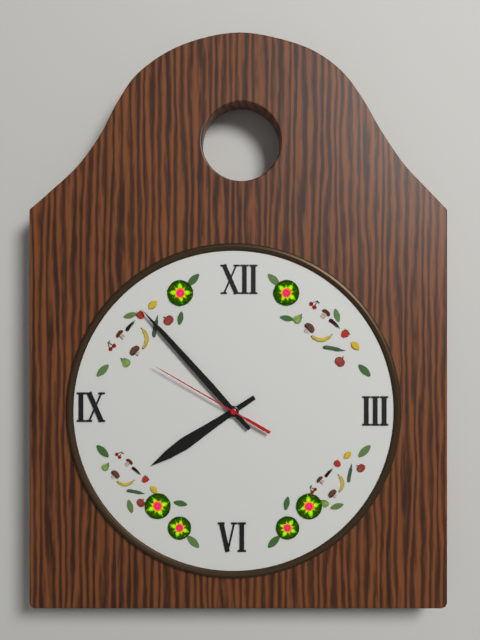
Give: 7h53m50s
